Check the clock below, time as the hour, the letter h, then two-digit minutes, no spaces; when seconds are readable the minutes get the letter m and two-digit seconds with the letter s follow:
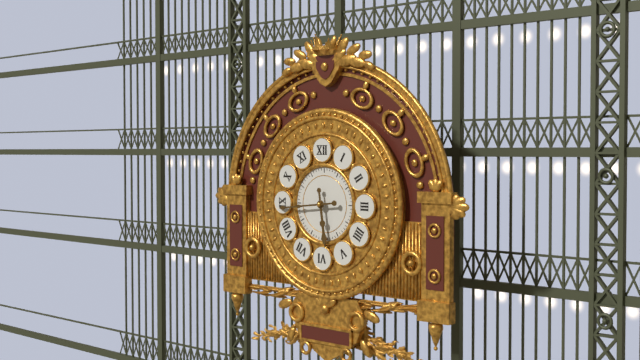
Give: 5h44
